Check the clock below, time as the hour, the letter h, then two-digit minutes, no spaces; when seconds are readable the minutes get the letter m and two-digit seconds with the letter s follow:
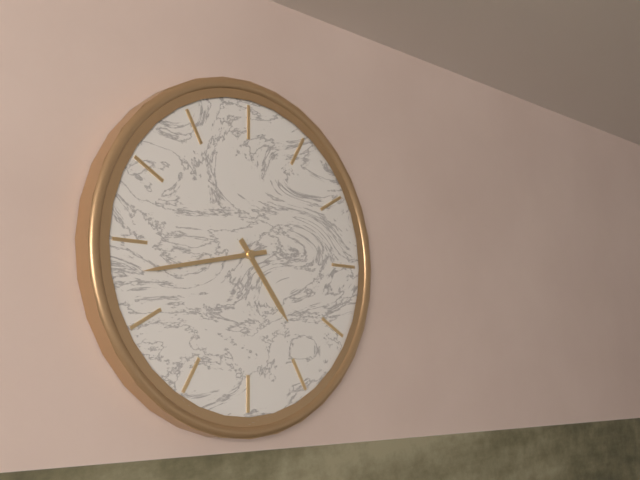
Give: 4h43
